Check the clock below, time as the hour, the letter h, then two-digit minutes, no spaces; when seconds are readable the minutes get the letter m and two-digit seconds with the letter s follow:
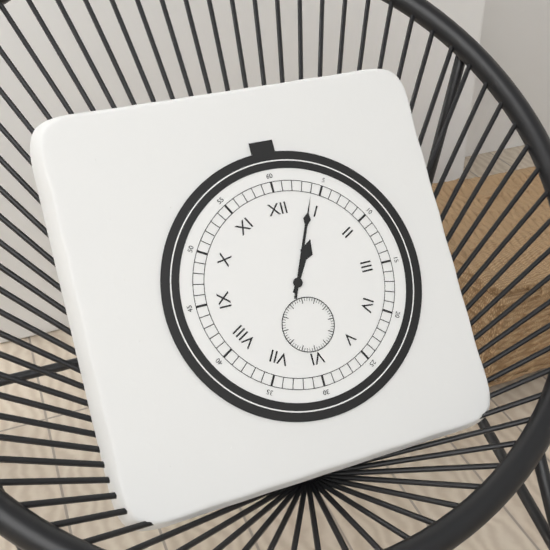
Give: 1h04
